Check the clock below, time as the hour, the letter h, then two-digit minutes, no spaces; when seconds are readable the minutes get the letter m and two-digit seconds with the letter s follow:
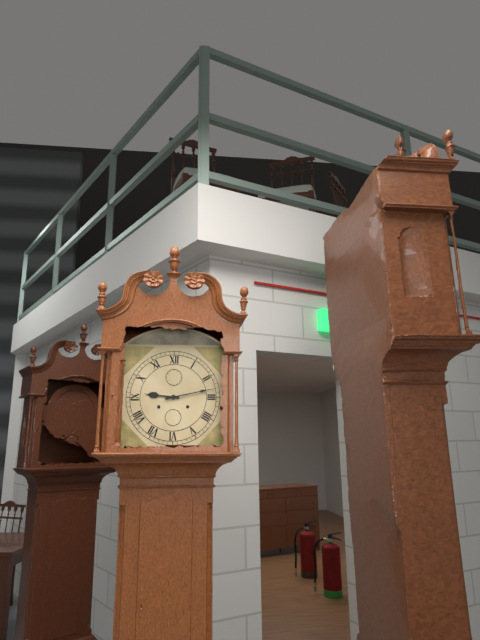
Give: 9h13
